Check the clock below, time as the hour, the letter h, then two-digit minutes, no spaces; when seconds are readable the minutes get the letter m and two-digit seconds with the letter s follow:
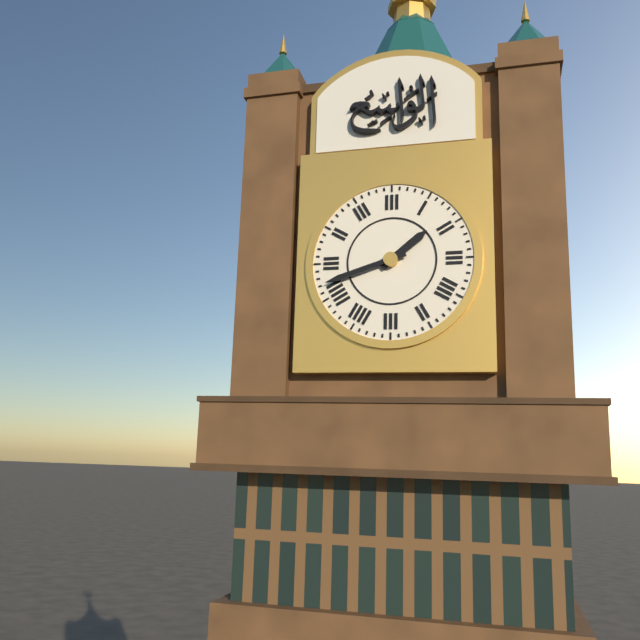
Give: 1h42
